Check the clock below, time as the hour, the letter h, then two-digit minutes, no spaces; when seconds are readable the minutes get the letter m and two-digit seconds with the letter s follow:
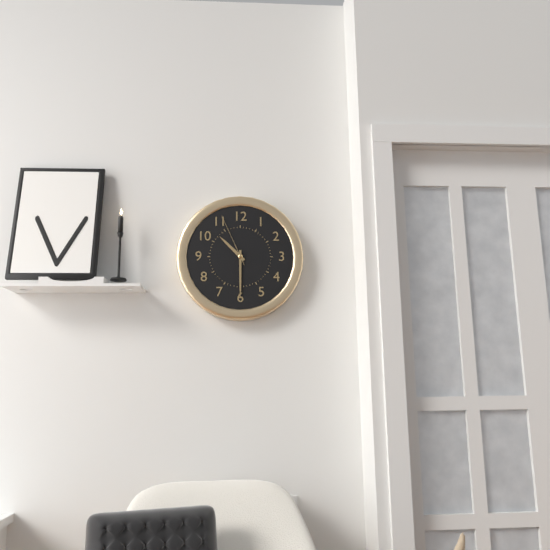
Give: 10h30m56s
